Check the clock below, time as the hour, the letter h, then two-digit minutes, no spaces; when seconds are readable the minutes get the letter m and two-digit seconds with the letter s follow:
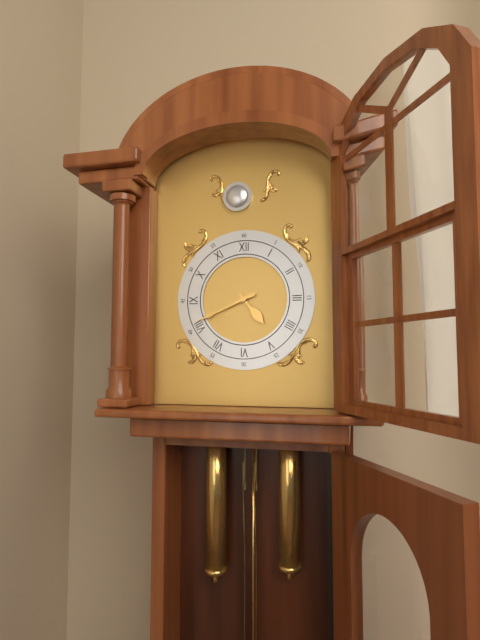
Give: 4h41
